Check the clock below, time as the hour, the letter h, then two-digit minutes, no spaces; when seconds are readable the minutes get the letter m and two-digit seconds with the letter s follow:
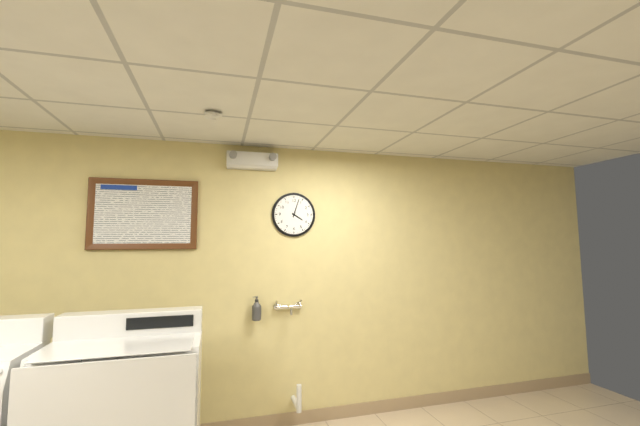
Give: 4h03
